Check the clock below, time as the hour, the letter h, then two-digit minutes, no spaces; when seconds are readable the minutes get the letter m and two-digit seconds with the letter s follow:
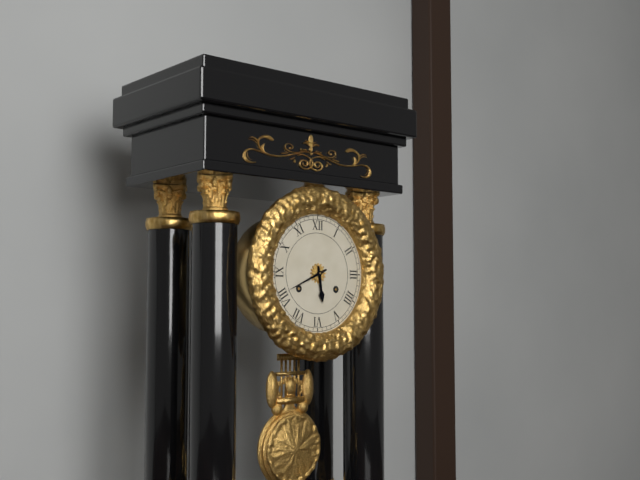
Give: 5h41
